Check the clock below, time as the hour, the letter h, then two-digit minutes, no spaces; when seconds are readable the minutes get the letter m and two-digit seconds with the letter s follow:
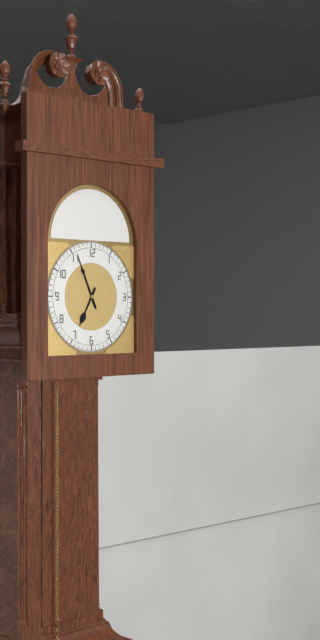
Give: 6h56
